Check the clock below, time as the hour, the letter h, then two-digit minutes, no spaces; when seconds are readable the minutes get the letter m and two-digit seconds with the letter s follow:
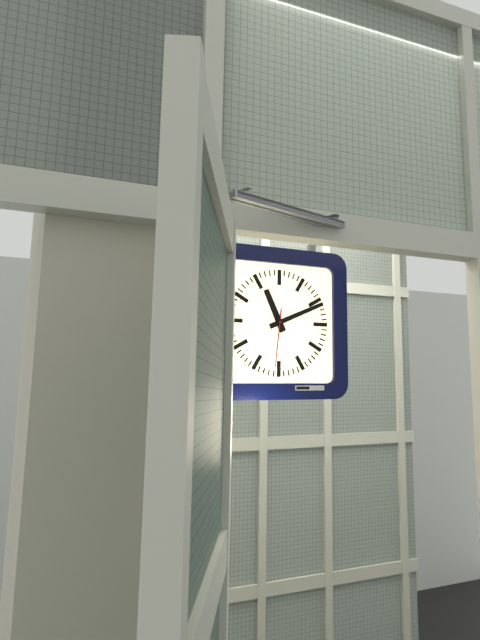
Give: 11h11m31s
